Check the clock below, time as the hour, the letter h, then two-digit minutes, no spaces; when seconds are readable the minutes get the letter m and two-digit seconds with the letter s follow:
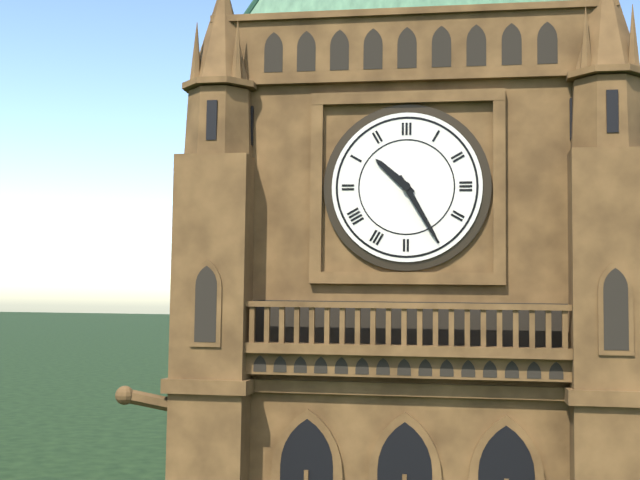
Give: 10h25
